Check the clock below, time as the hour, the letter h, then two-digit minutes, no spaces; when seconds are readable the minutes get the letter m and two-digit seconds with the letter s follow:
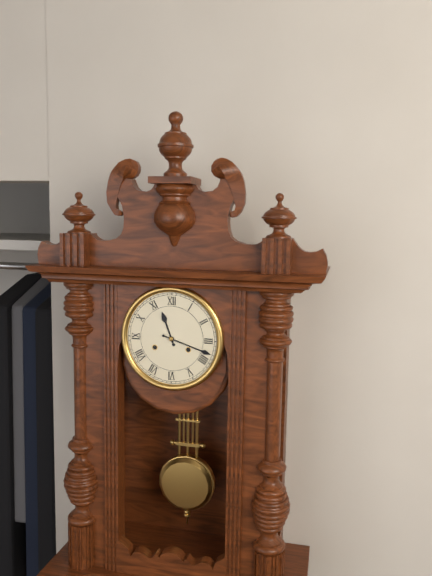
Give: 11h18
